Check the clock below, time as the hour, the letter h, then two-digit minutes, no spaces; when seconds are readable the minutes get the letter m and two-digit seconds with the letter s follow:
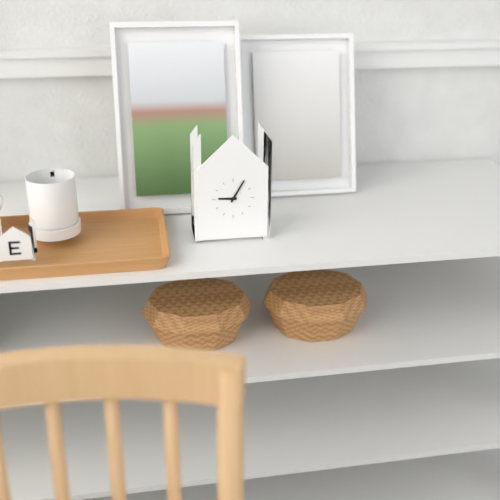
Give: 9h05
